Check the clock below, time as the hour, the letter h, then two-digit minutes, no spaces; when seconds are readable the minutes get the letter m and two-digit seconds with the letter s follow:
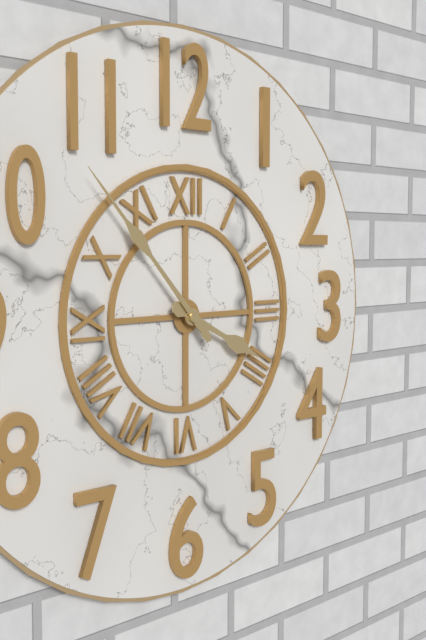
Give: 3h53
